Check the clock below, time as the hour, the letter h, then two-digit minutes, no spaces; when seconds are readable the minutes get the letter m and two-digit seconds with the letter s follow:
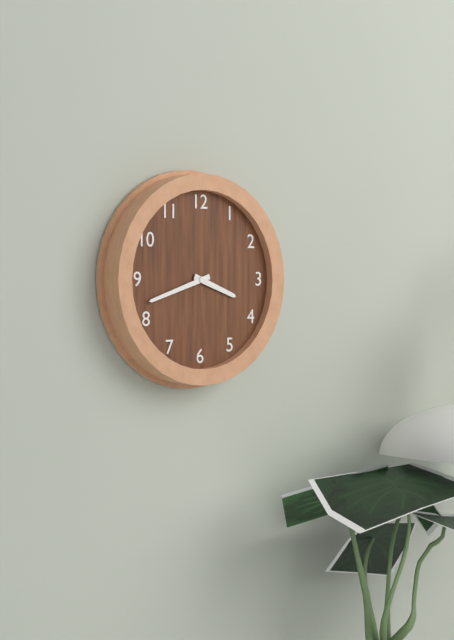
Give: 3h42
